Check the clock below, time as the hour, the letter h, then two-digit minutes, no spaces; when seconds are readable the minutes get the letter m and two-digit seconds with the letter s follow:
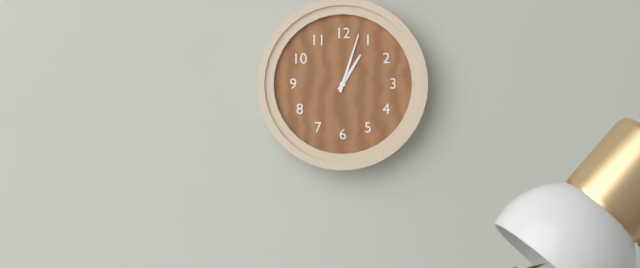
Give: 1h03
